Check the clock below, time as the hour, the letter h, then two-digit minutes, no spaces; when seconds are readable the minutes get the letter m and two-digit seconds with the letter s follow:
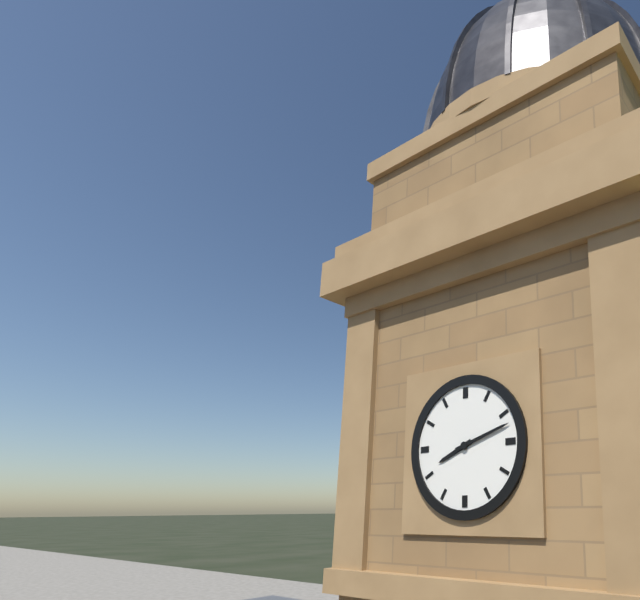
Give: 8h12
